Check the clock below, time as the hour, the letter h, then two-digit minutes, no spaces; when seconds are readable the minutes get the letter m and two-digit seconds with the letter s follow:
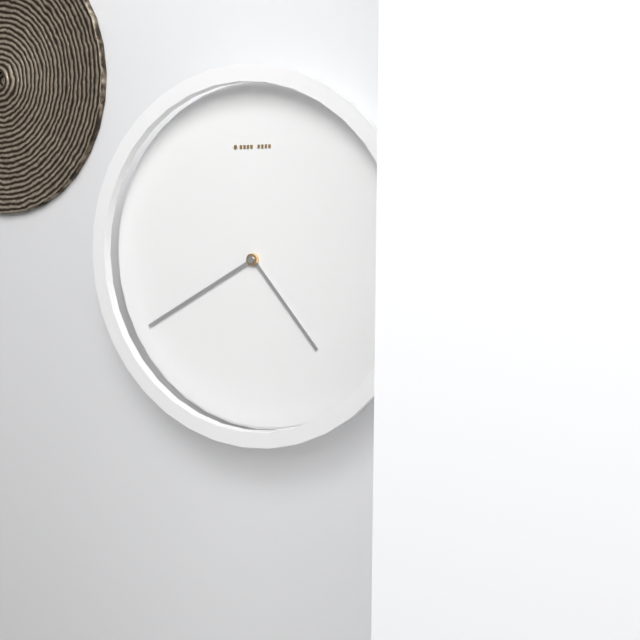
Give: 4h40
